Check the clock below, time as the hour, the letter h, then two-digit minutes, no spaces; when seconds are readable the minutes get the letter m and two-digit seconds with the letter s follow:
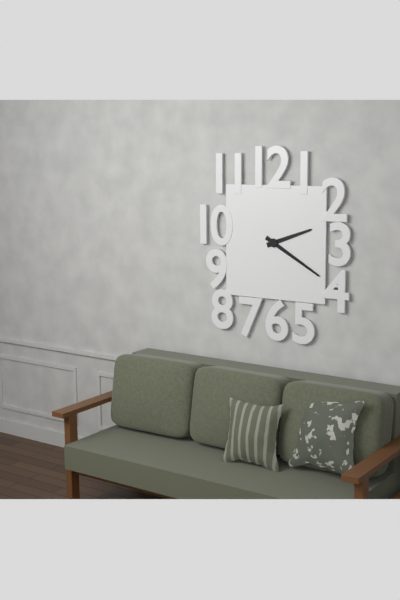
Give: 2h20
